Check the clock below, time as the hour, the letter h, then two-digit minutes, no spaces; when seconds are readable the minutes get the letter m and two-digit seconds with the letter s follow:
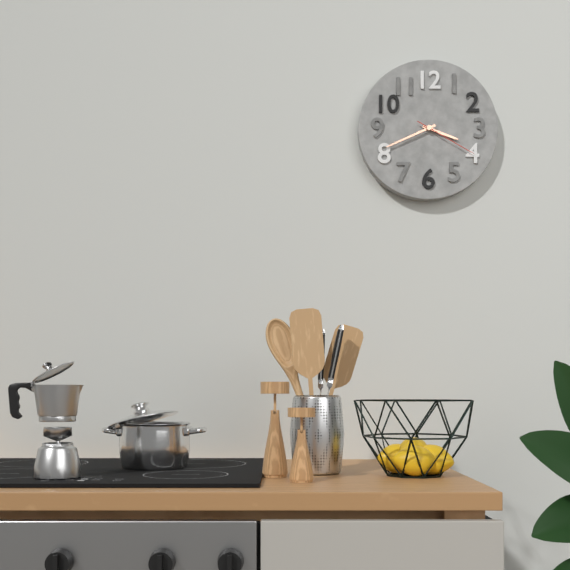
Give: 3h41m20s
